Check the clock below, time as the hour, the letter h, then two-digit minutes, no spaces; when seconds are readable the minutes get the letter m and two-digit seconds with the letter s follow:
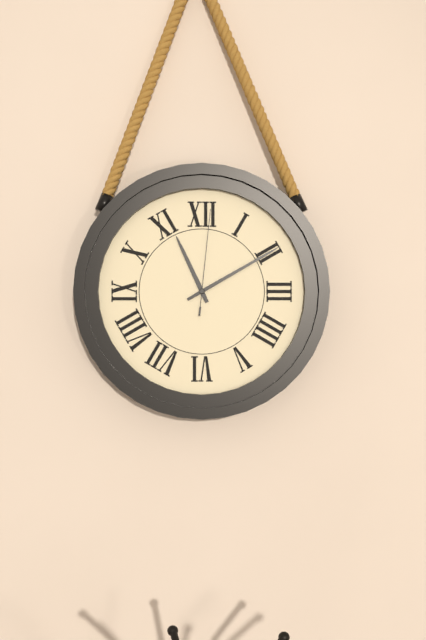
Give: 11h10m01s
